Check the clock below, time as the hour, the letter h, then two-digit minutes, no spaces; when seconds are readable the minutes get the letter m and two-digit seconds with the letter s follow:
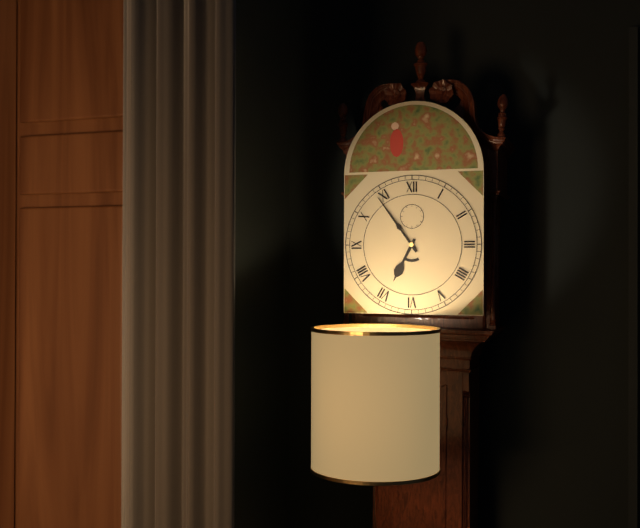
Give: 6h54
